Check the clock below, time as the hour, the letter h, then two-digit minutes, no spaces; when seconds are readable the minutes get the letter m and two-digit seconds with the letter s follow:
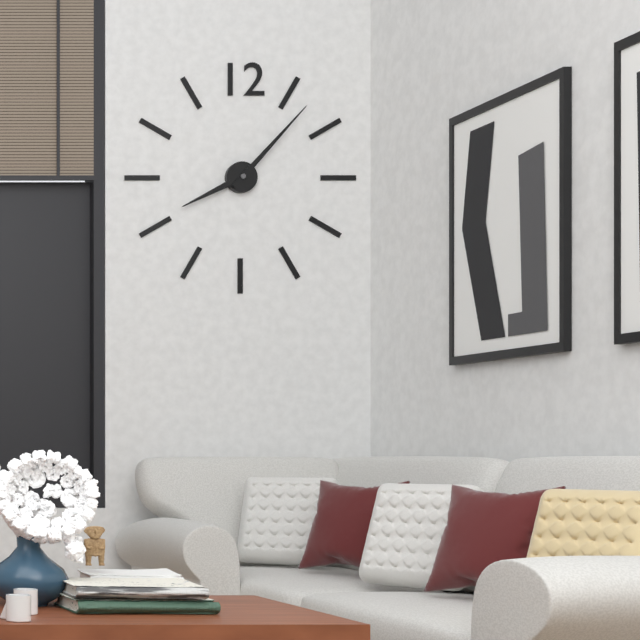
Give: 8h07
